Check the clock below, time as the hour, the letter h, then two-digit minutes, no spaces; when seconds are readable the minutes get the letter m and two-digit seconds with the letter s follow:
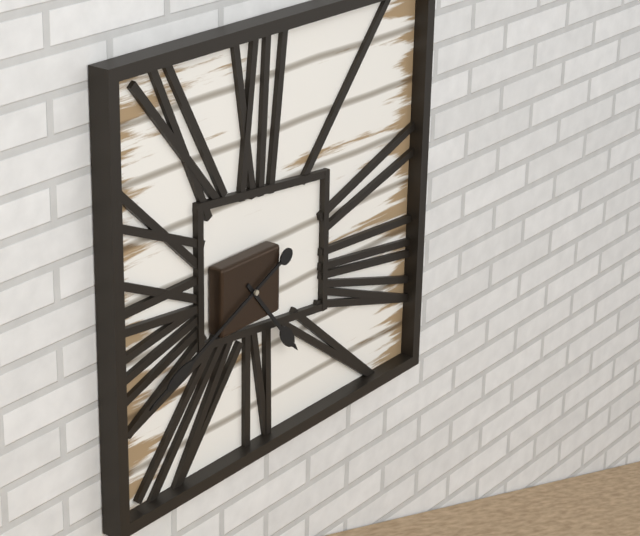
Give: 4h41
